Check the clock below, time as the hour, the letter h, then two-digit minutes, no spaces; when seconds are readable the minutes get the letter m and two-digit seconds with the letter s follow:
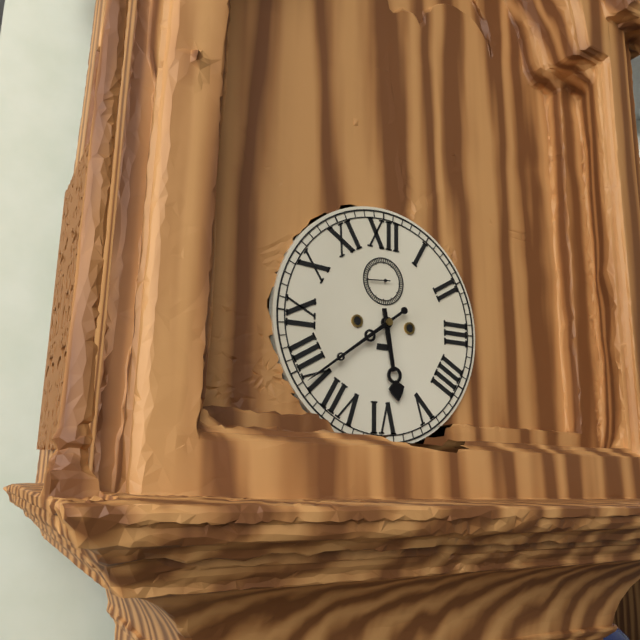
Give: 5h39
